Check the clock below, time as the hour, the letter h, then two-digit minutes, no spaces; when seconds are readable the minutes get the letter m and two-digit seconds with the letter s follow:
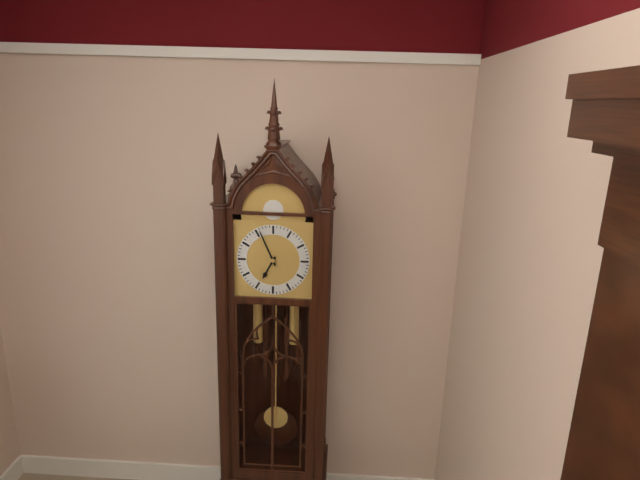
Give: 6h56
